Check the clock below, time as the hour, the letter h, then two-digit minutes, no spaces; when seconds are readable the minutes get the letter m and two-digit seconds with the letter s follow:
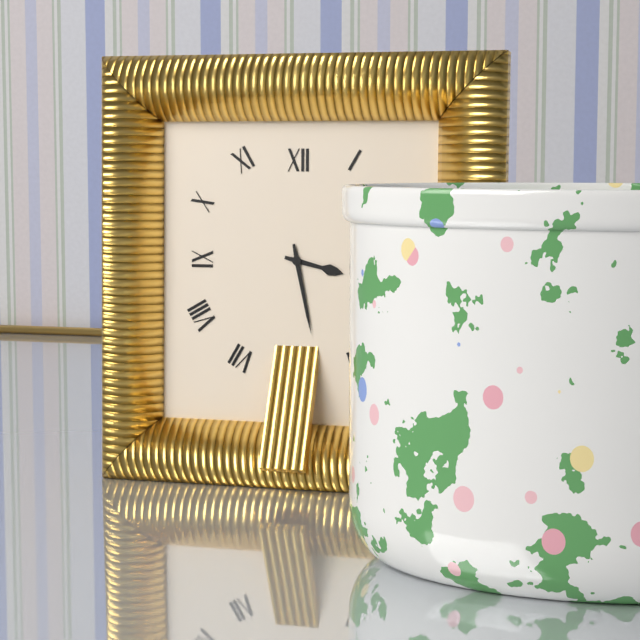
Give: 3h28
